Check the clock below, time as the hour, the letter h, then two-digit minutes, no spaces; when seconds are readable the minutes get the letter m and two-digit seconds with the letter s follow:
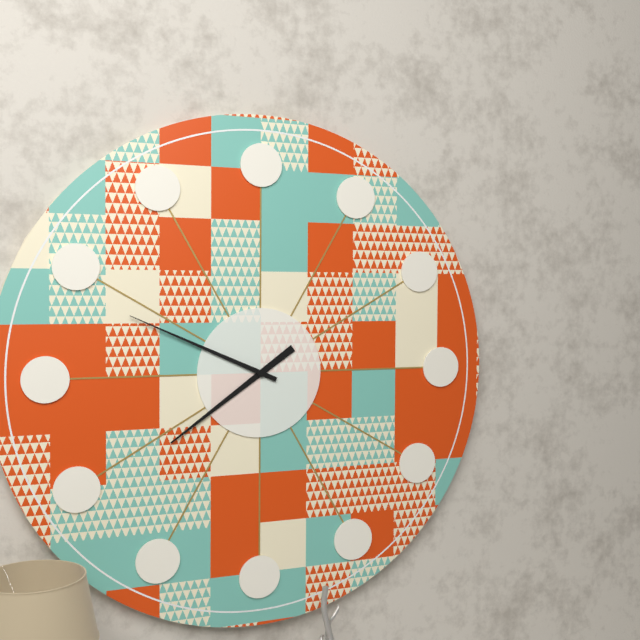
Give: 7h49
